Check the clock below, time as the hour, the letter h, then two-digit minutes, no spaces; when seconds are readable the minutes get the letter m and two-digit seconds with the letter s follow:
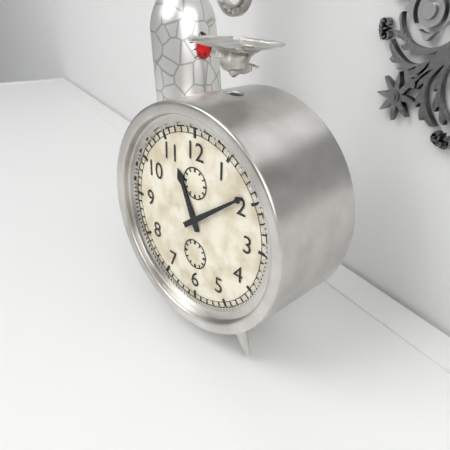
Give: 11h09
